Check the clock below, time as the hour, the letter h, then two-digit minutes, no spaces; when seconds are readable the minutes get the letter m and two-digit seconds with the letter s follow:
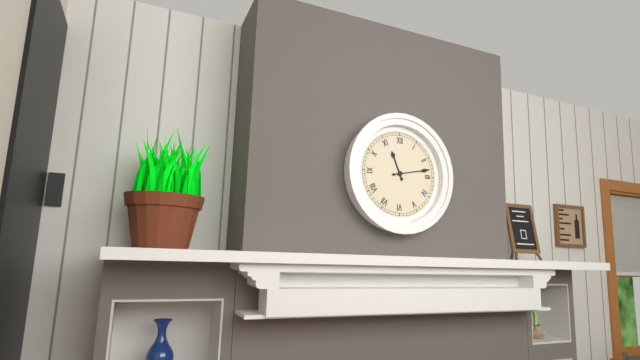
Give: 11h13
